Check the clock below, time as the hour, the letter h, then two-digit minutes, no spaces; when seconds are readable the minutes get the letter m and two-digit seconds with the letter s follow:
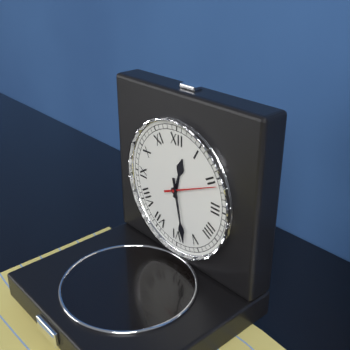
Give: 12h28m11s
